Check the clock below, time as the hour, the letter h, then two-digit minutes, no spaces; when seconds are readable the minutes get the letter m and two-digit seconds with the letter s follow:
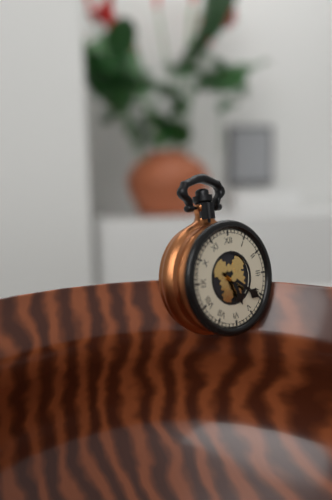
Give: 5h21
